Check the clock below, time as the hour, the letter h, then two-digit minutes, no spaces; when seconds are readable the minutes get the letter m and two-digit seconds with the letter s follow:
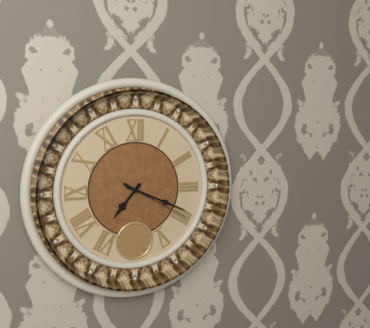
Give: 7h19m20s
